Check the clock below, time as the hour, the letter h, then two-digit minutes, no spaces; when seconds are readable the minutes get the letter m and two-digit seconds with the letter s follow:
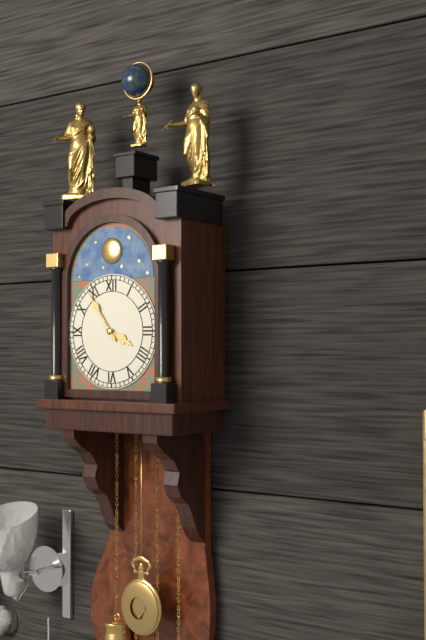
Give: 3h54
